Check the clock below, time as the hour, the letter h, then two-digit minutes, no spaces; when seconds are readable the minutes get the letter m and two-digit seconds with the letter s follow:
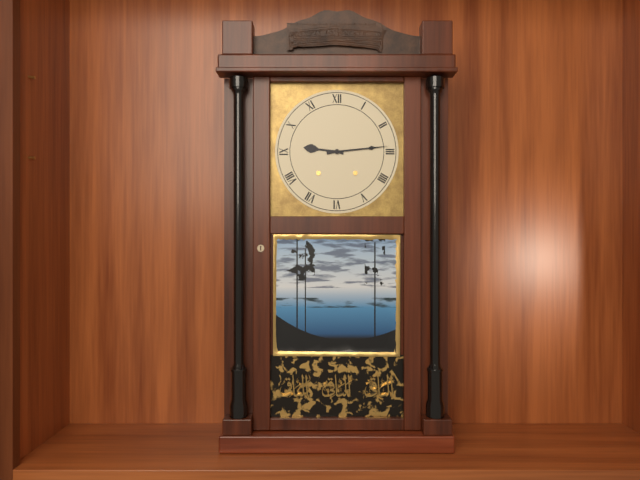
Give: 9h14
